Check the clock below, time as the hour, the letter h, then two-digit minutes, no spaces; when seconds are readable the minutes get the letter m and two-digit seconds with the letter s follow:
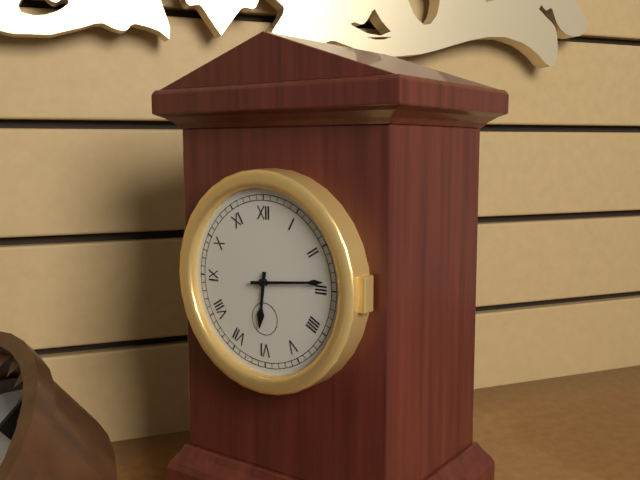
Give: 6h14
